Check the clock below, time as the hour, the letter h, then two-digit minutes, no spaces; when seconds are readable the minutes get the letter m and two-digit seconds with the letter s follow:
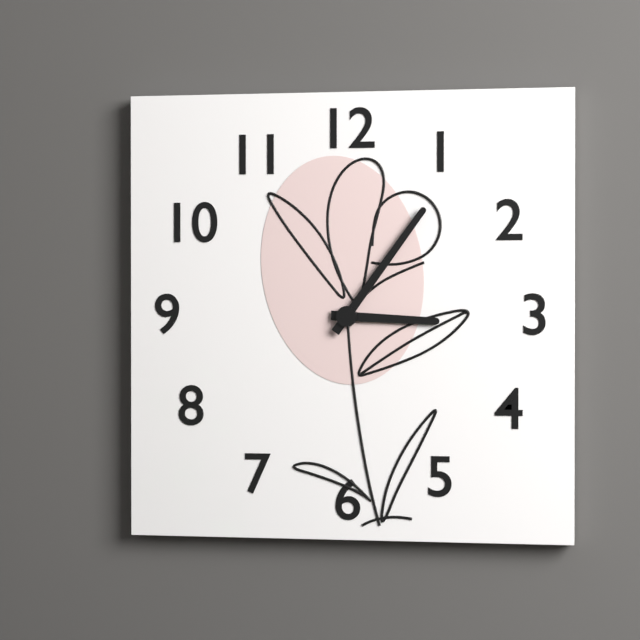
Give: 3h06
